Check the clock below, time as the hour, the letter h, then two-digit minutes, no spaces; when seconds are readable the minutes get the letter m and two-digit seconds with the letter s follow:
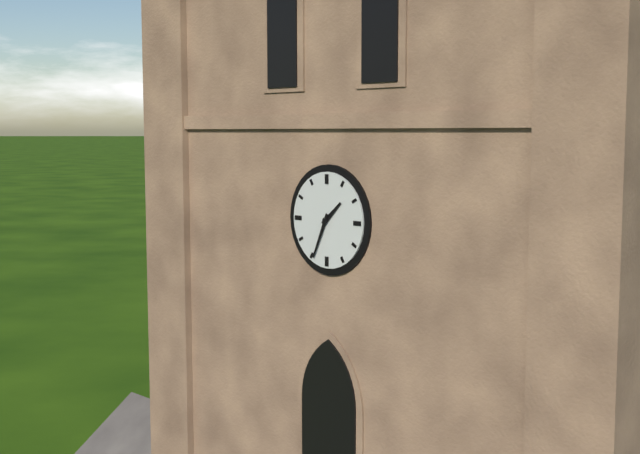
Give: 1h34
